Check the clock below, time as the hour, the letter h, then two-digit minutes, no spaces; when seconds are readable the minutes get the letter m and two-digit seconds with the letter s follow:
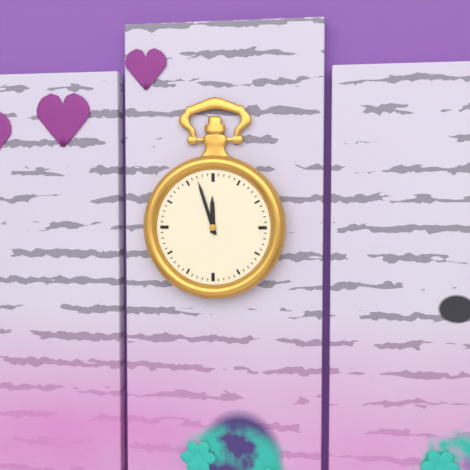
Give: 11h57
